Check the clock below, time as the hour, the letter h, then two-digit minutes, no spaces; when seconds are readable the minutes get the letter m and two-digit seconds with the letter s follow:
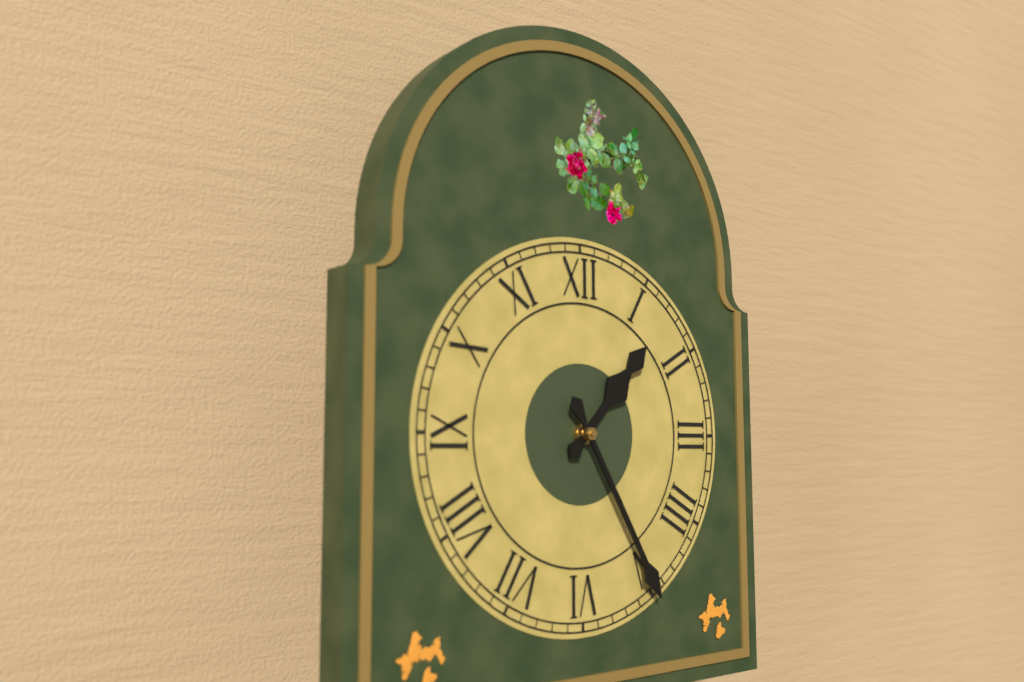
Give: 1h25
